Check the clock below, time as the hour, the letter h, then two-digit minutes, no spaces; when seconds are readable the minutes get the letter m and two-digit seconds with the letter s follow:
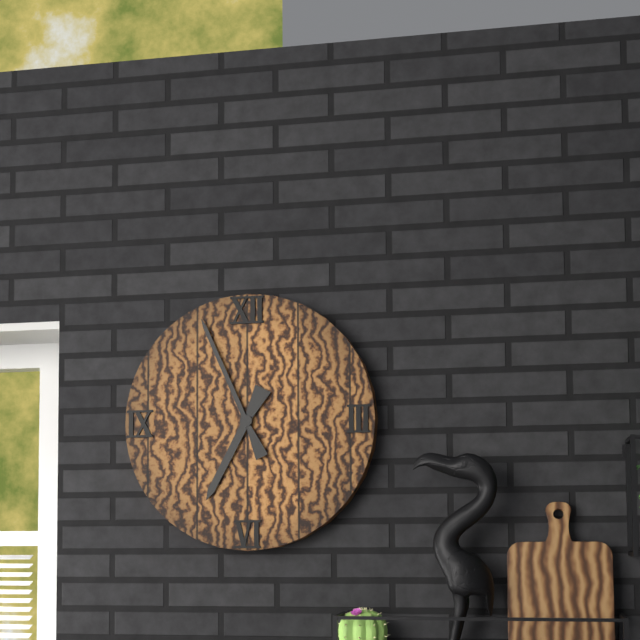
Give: 6h56
